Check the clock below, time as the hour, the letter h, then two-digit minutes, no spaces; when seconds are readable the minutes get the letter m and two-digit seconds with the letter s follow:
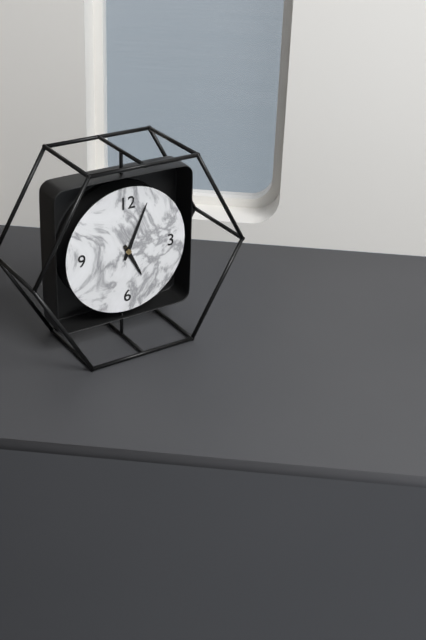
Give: 5h04
